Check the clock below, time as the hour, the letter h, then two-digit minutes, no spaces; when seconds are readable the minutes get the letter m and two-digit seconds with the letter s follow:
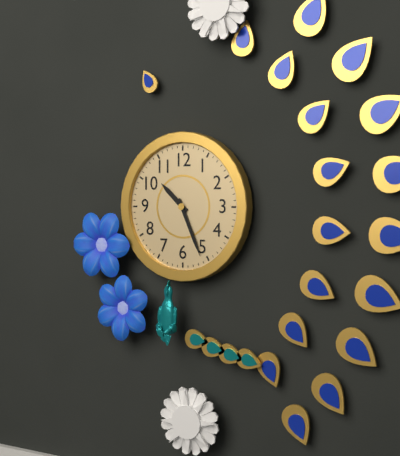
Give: 10h26
